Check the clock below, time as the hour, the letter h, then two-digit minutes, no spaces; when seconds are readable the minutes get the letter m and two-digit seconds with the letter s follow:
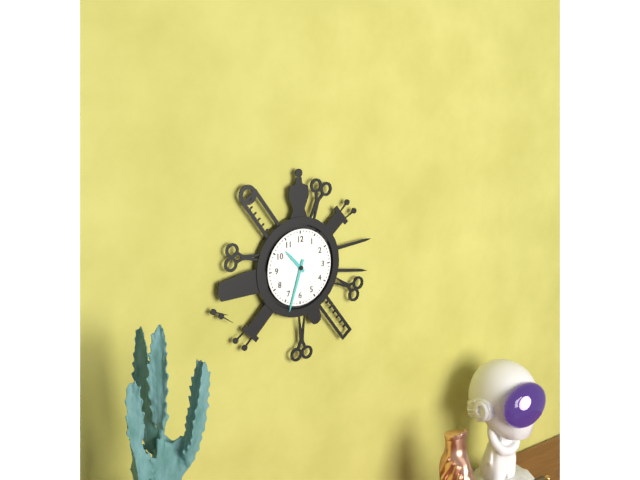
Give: 10h33
